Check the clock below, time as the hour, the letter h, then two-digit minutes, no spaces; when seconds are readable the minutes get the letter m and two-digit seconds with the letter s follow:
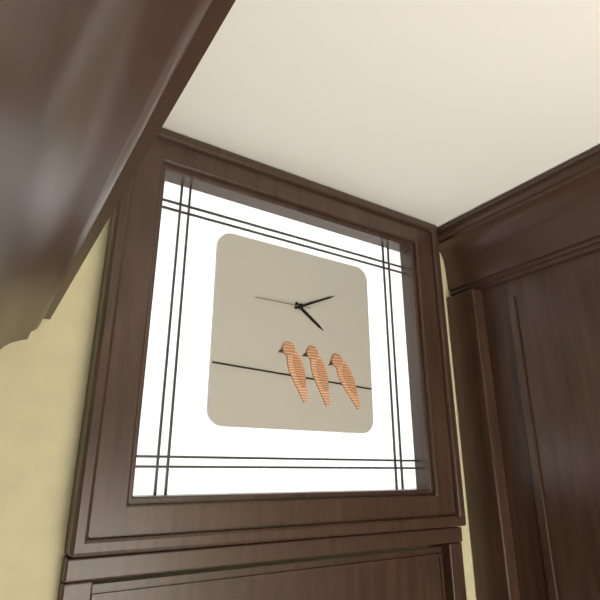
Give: 4h11m45s
